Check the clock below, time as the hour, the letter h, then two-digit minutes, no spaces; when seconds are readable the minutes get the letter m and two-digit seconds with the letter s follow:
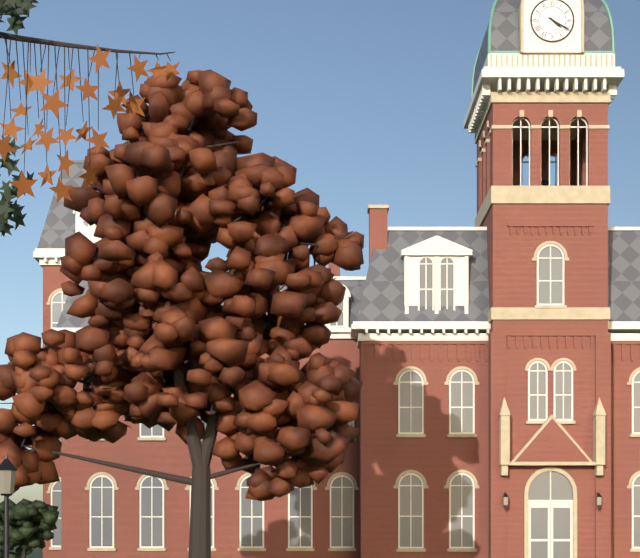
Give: 4h20
